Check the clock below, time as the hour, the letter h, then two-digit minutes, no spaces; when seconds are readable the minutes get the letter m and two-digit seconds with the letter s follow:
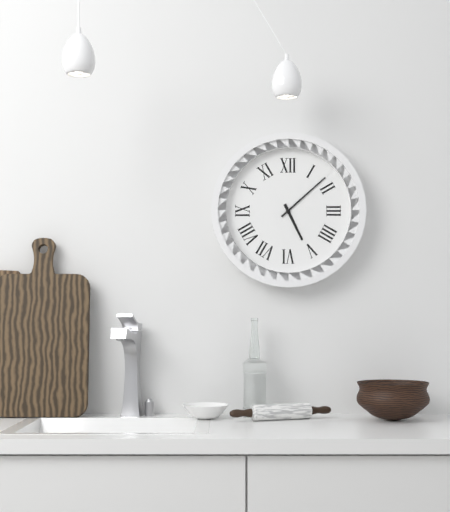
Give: 5h08
